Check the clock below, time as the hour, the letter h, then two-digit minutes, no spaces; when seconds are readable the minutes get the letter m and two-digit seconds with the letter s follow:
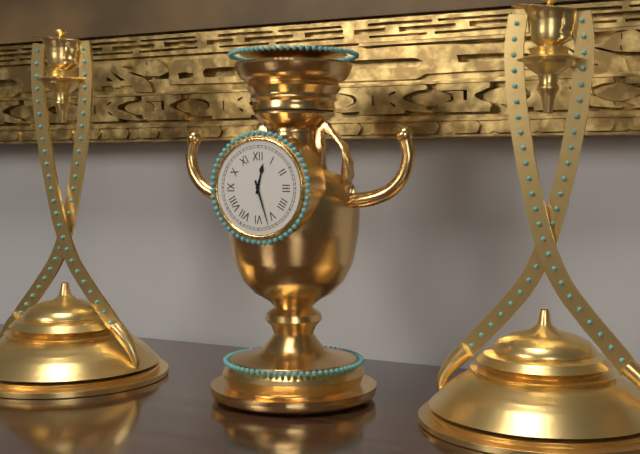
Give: 12h27
